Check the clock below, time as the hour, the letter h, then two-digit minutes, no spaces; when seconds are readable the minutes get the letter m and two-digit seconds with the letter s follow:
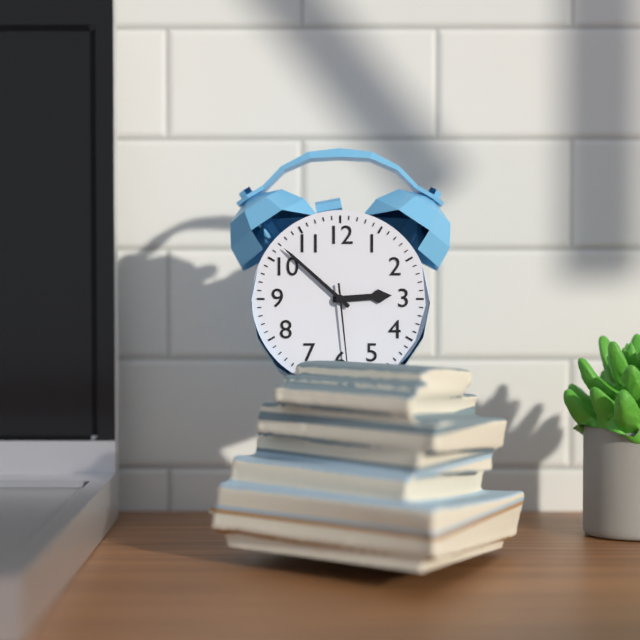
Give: 2h52m29s
